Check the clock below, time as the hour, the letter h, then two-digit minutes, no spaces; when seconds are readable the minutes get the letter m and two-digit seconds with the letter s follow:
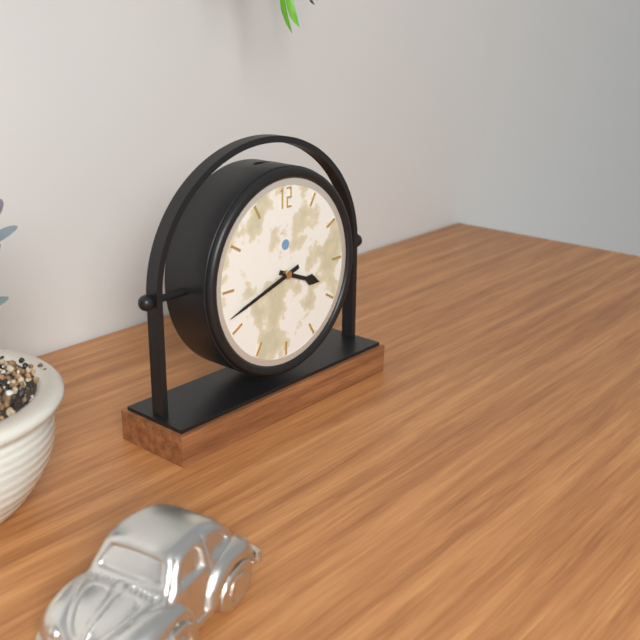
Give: 3h42
